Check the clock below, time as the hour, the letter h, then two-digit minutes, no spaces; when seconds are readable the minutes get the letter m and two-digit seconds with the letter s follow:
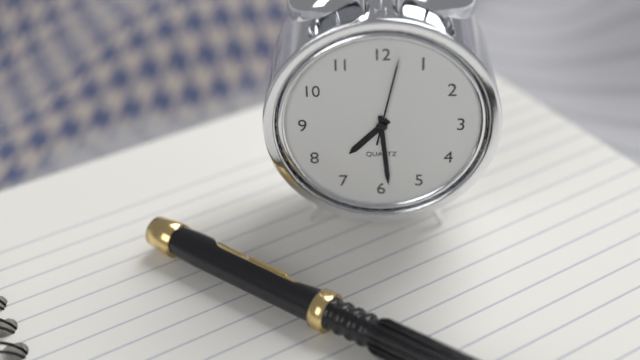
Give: 7h29m02s
